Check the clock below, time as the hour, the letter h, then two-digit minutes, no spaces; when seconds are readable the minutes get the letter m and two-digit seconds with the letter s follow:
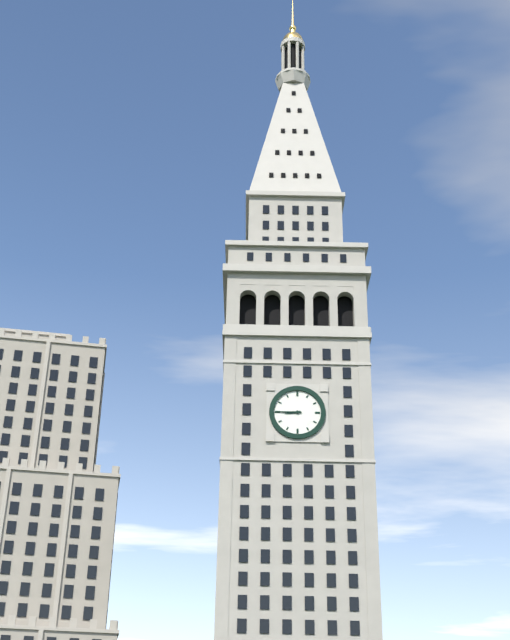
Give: 8h45
